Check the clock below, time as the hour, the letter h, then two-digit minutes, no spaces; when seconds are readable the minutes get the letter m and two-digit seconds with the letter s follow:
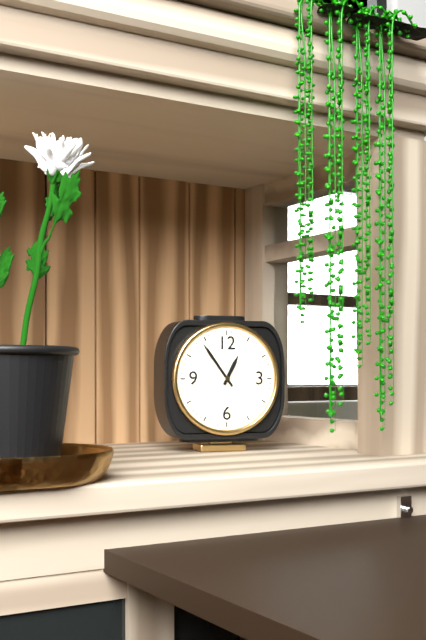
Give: 12h54
